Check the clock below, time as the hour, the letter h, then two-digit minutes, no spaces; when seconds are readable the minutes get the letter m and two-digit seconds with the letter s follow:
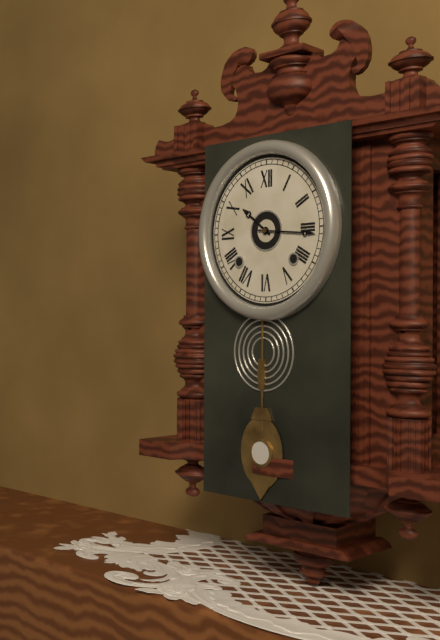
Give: 10h16
